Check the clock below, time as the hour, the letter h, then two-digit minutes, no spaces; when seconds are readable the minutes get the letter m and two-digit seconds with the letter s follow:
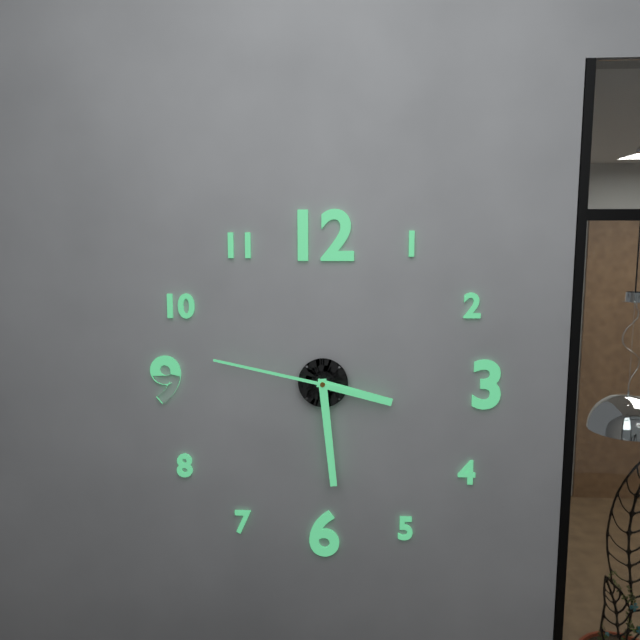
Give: 3h29m47s
